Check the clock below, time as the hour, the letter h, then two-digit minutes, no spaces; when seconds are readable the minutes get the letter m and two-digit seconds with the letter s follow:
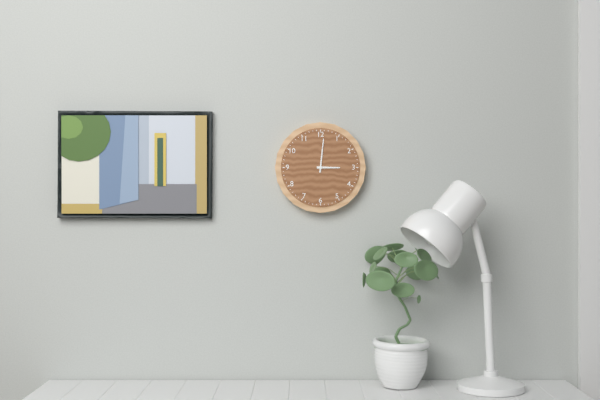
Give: 3h01
